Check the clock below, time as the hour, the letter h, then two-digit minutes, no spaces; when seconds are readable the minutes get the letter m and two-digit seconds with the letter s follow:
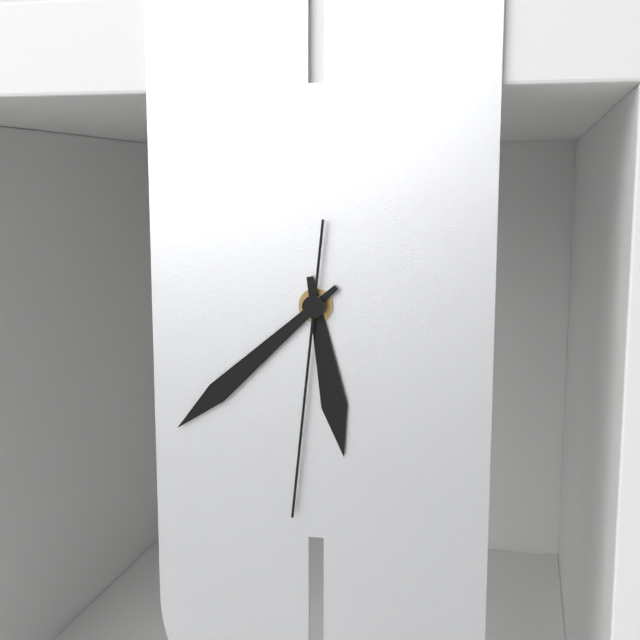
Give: 5h38m31s
